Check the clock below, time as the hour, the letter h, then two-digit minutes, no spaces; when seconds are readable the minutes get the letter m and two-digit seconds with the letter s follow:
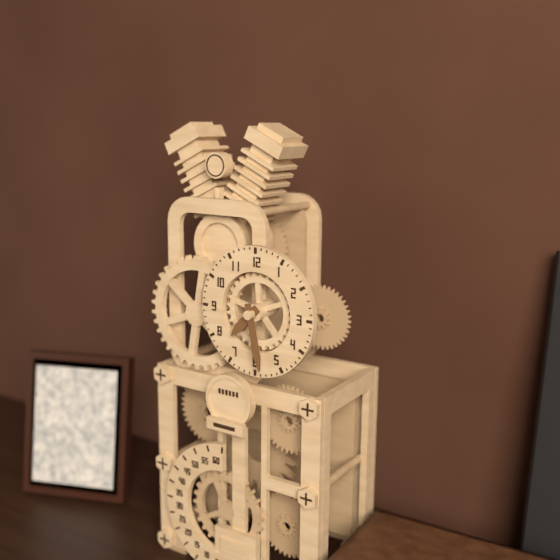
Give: 7h28
